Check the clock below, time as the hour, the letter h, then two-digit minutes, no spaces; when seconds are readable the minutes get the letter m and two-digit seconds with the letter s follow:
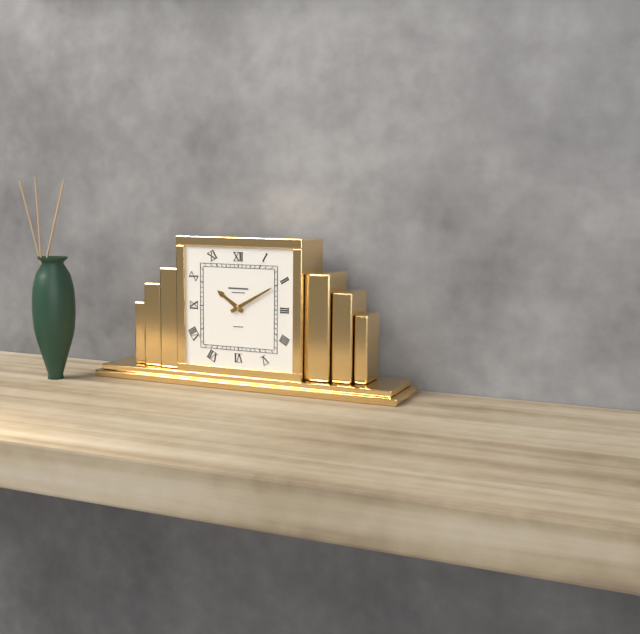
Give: 10h10
